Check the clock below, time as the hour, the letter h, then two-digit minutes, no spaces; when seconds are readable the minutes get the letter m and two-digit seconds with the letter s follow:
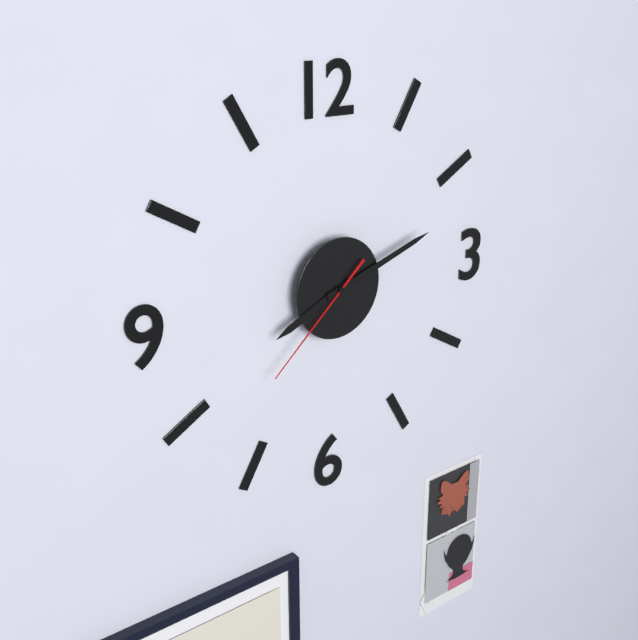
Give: 8h12m38s
